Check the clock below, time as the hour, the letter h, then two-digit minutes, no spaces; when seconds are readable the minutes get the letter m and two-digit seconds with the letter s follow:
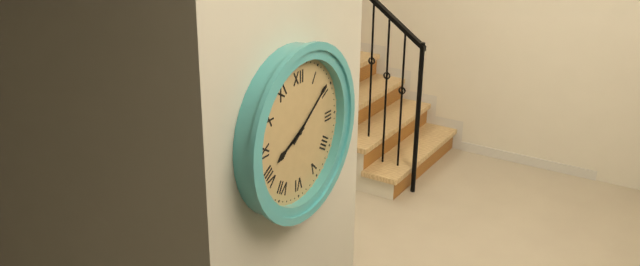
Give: 8h09
